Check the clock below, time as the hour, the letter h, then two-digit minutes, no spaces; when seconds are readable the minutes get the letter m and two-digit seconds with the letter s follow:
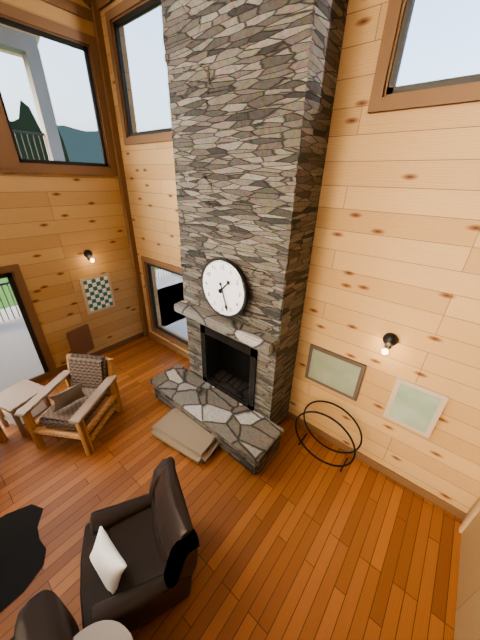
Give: 1h27
